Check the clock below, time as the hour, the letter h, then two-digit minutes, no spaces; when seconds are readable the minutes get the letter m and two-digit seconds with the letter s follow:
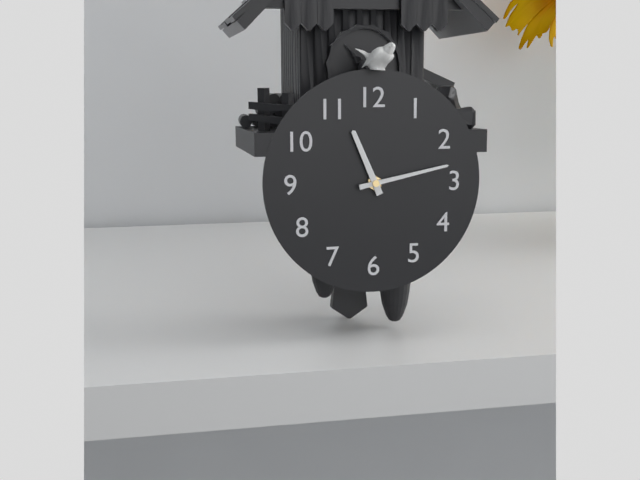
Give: 11h13
